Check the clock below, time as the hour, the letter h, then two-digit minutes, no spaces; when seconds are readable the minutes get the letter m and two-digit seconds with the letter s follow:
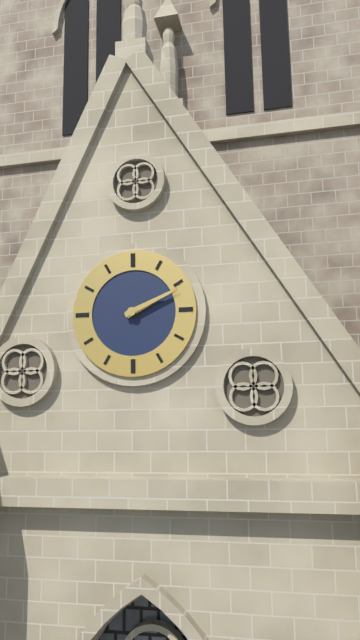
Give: 2h11
